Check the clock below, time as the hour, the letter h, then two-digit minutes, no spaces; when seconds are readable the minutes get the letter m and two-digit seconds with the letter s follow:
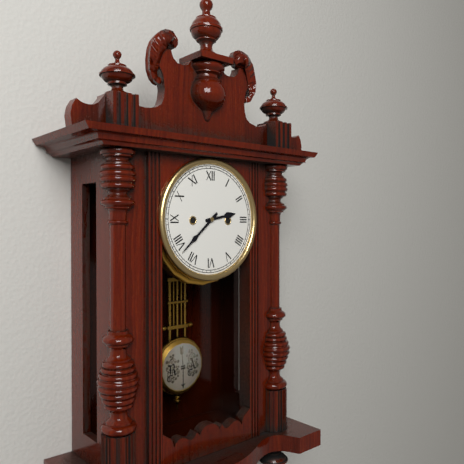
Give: 2h38
